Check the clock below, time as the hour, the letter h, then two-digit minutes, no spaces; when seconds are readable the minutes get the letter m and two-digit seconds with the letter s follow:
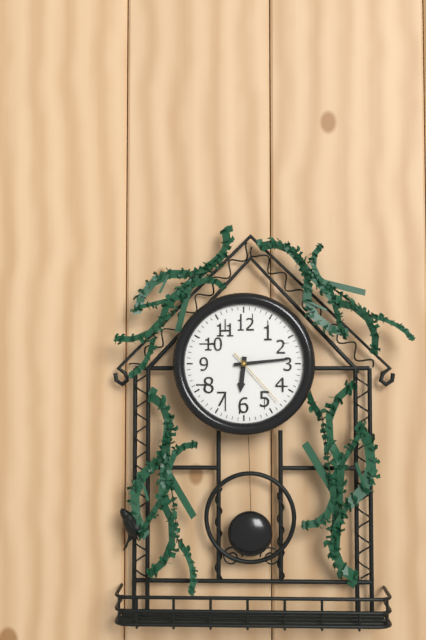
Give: 6h14m23s
